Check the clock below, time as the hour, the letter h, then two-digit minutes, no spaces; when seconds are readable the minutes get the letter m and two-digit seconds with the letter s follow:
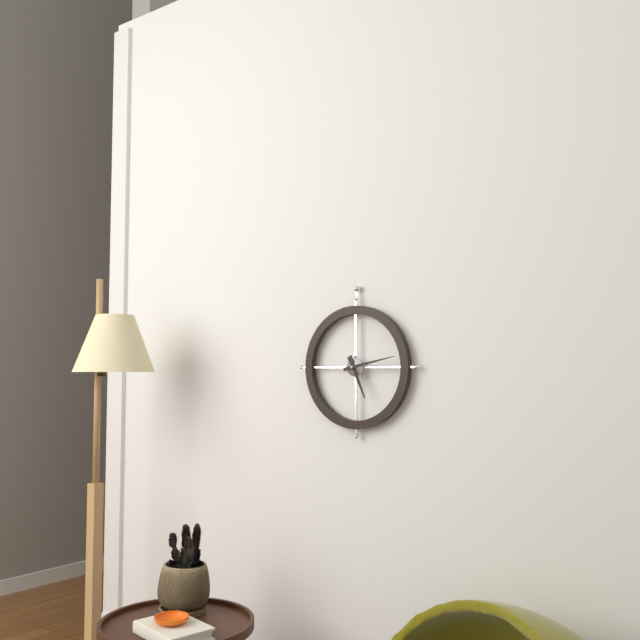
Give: 5h13
